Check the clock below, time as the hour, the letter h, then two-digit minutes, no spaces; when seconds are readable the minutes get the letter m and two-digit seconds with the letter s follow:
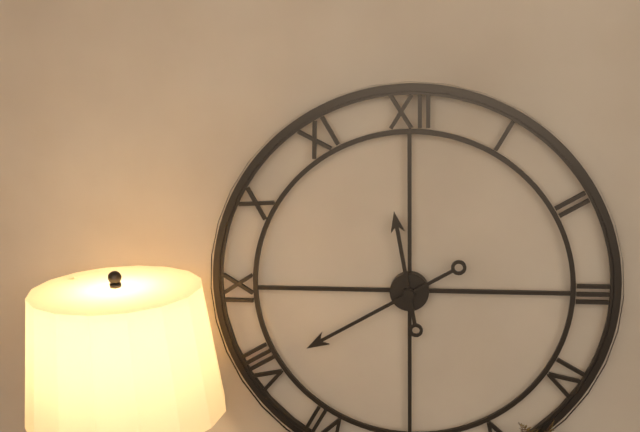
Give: 11h40
